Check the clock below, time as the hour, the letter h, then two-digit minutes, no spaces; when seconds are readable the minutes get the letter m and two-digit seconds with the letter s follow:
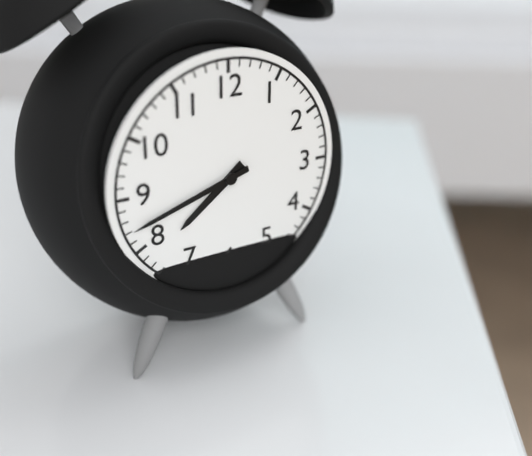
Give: 7h42
